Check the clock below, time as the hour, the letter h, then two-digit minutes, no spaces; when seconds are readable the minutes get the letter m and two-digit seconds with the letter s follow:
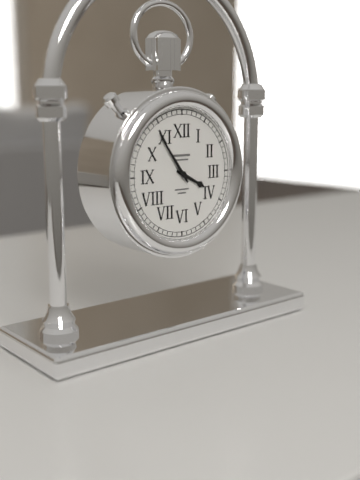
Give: 3h54
